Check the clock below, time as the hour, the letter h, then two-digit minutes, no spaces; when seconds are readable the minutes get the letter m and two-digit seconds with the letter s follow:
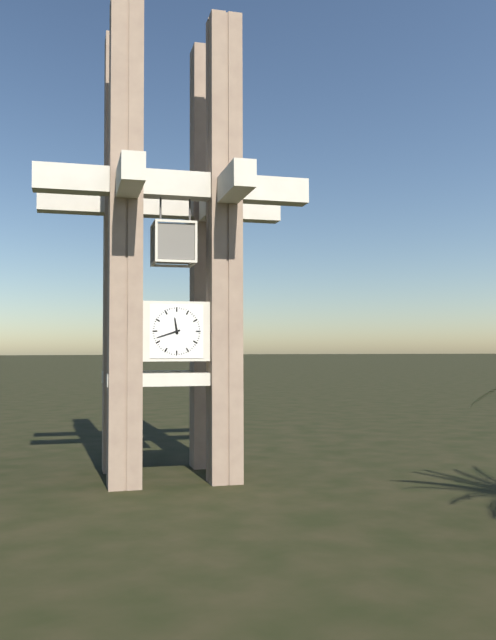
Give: 11h42
